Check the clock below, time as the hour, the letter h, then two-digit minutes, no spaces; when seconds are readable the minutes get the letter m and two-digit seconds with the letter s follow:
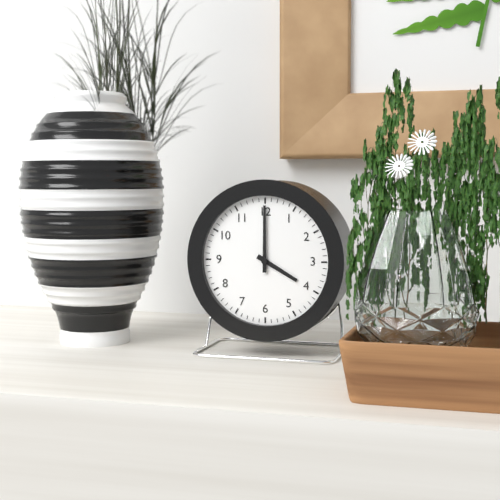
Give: 4h00
